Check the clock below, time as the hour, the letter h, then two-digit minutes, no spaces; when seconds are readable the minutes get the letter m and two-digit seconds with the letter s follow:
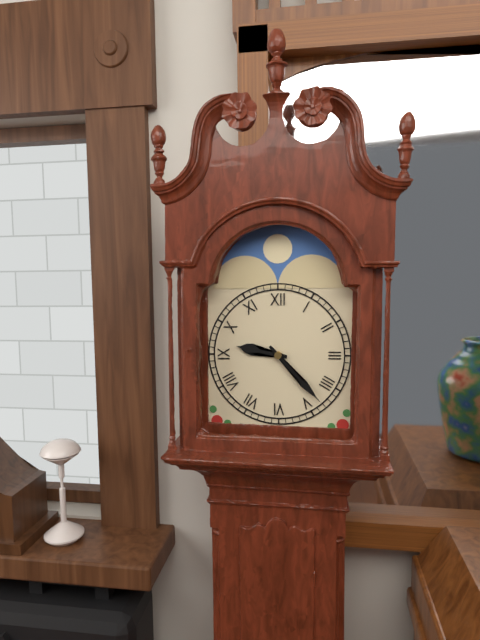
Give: 9h23
